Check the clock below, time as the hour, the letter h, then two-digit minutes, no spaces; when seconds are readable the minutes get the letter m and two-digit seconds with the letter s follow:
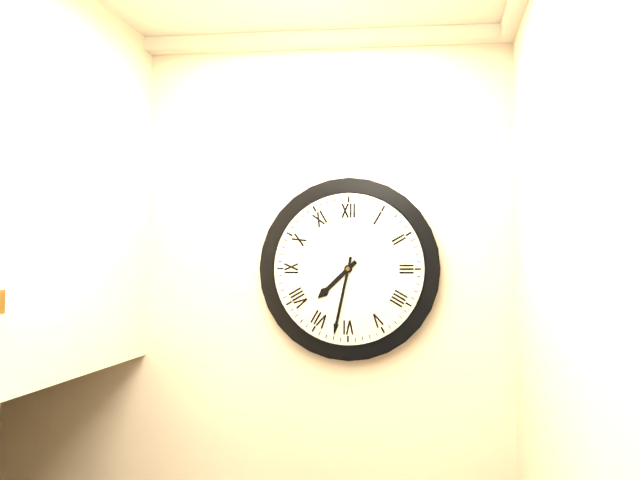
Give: 7h32
